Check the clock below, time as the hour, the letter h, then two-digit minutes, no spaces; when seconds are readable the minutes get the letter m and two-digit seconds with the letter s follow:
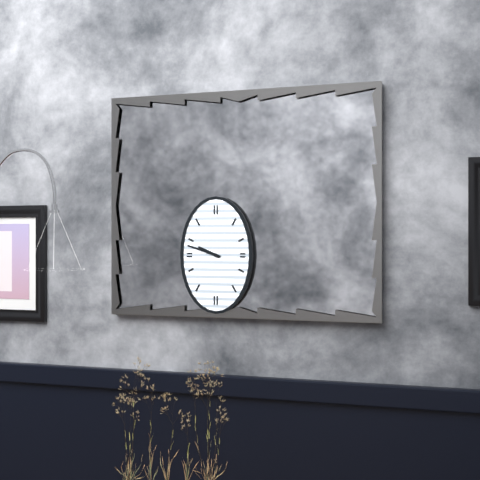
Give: 9h48
